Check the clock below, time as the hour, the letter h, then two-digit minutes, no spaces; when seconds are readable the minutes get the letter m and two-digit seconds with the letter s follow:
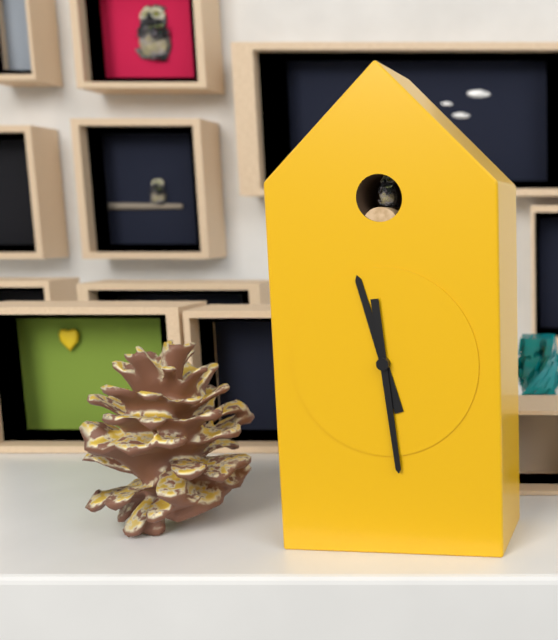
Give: 11h29
